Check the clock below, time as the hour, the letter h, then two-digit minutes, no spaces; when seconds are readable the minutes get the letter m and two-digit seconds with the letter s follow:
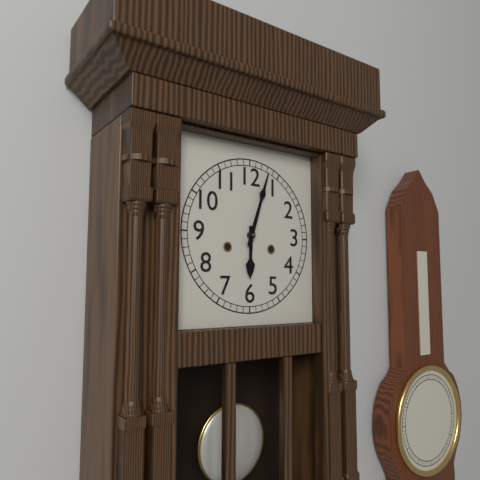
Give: 6h03
